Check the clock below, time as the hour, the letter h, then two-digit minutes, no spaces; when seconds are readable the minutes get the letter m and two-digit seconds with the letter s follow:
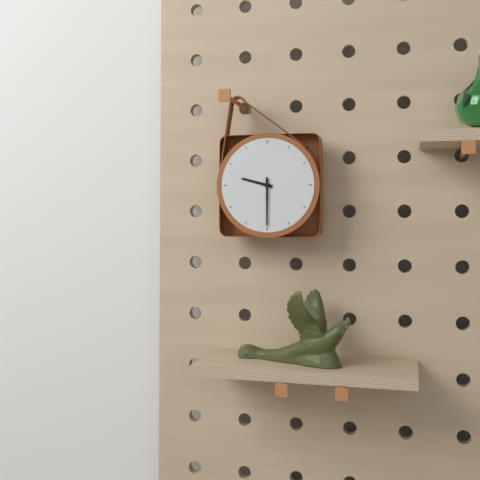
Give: 9h30
